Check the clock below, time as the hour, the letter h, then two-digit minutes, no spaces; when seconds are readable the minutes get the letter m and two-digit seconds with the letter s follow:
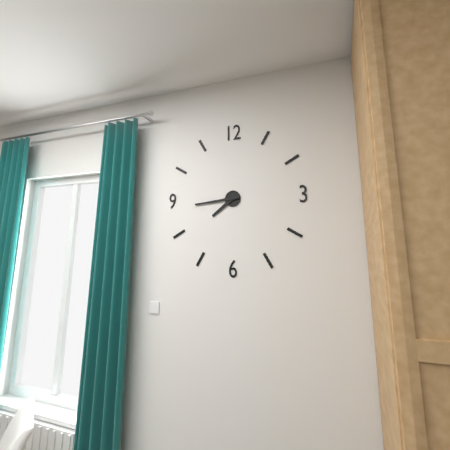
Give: 7h44
